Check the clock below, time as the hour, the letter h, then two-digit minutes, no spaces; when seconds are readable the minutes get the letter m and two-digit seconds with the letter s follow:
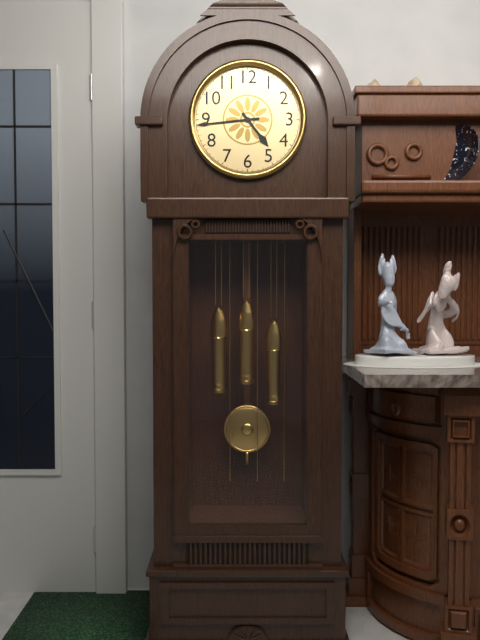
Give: 4h44
